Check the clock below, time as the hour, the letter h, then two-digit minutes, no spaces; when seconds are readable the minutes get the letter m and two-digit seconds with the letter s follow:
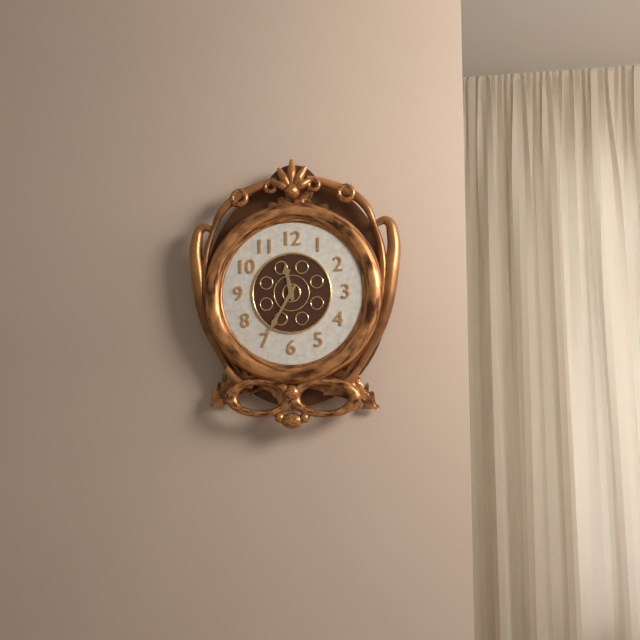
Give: 11h35
